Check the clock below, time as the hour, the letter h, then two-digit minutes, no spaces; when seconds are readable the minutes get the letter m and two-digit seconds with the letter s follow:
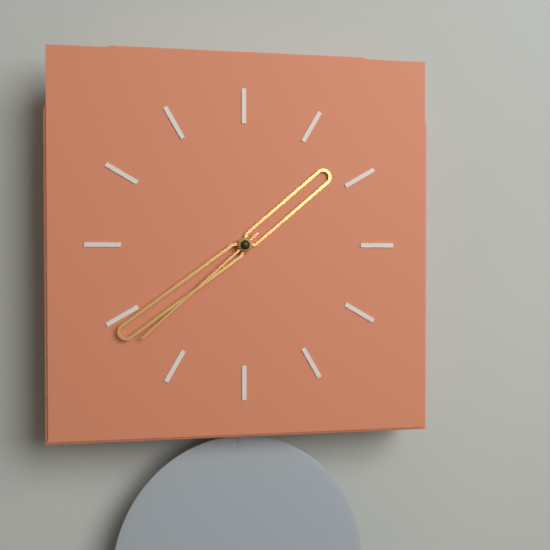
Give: 1h39m38s
